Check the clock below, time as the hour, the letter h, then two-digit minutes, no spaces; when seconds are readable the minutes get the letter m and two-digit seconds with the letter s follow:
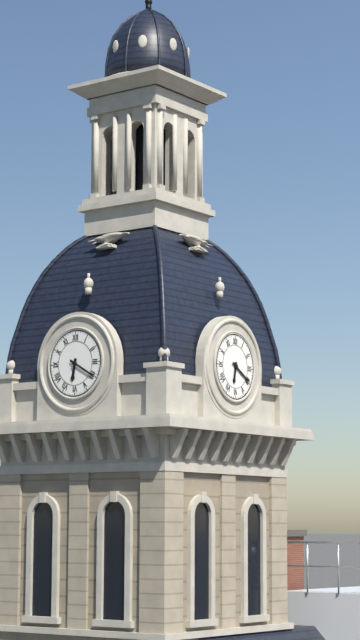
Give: 6h20
